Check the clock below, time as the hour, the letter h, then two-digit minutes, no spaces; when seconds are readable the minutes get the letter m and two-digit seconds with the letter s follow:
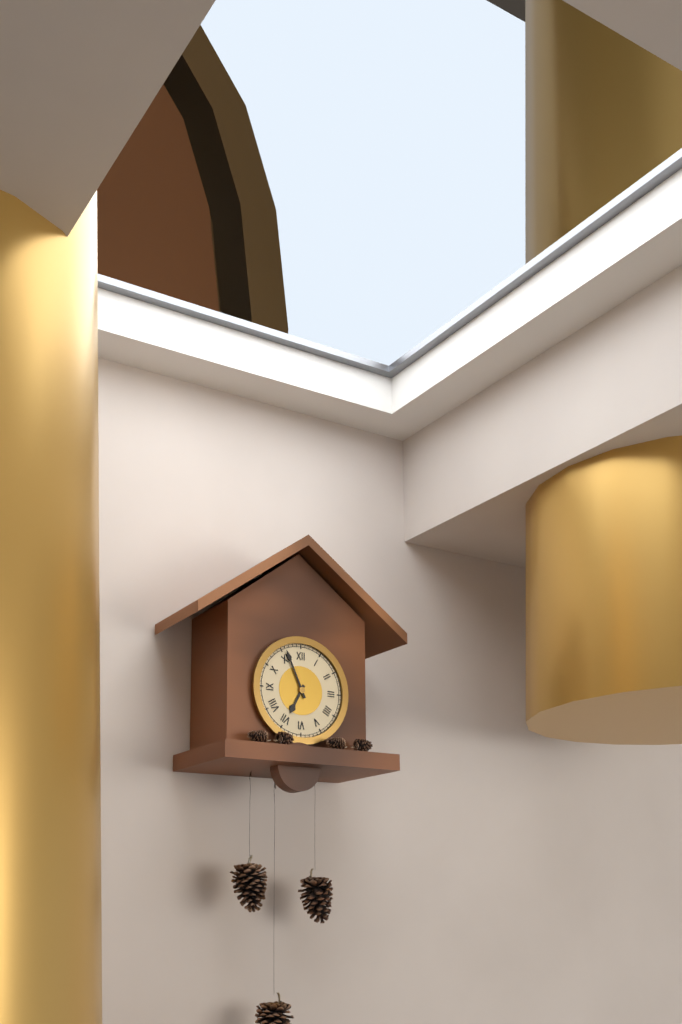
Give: 6h56
